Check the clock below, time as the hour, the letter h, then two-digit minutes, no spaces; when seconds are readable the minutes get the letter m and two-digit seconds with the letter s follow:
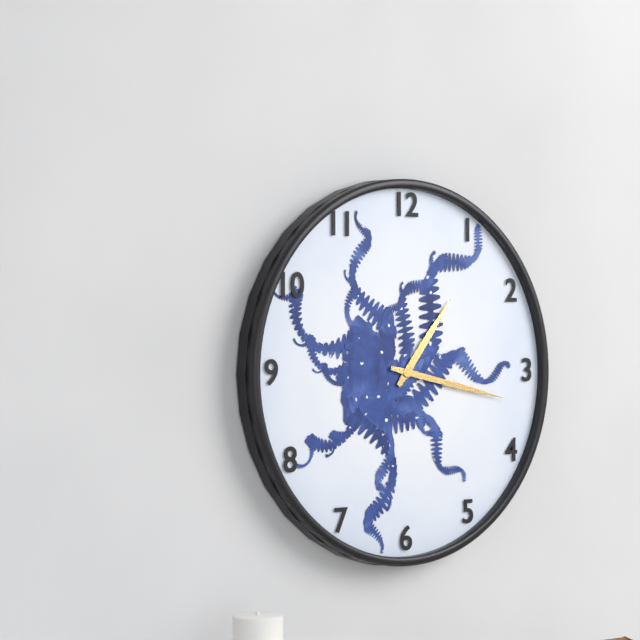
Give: 1h17
